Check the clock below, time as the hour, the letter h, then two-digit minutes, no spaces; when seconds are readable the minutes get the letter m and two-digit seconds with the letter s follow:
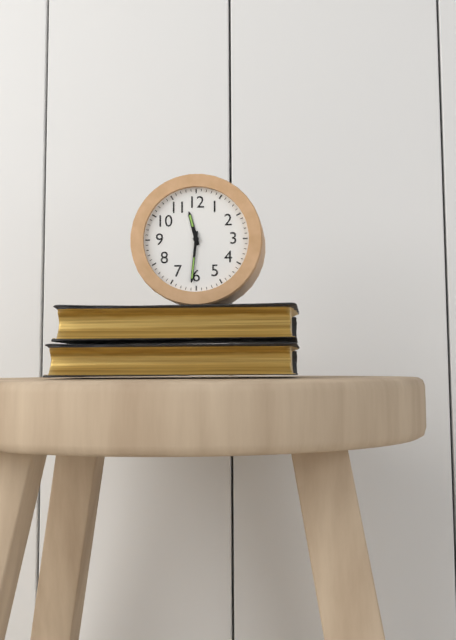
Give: 11h31
